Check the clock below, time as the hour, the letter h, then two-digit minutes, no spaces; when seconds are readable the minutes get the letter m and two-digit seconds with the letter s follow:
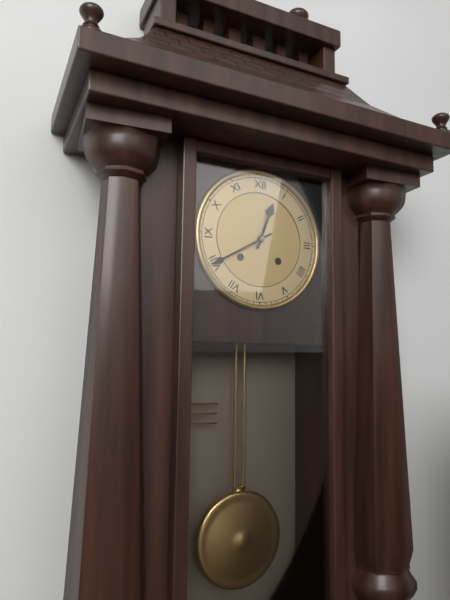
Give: 12h40
